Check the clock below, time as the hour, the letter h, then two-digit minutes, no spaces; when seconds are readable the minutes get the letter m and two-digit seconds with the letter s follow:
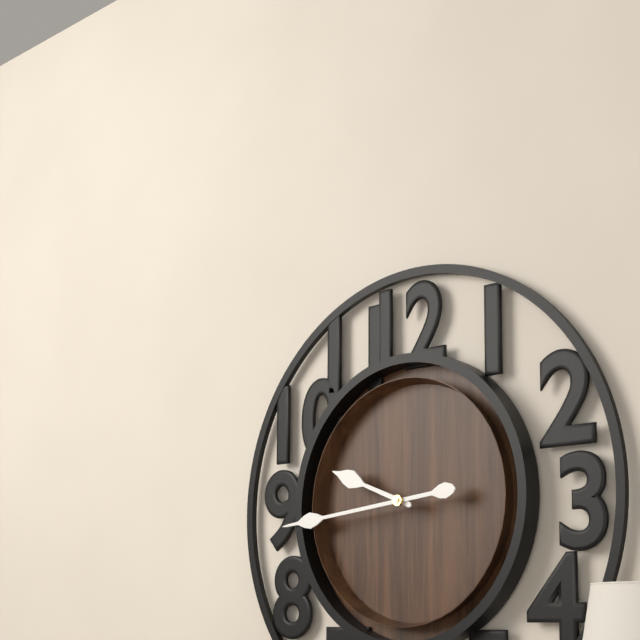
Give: 9h44
